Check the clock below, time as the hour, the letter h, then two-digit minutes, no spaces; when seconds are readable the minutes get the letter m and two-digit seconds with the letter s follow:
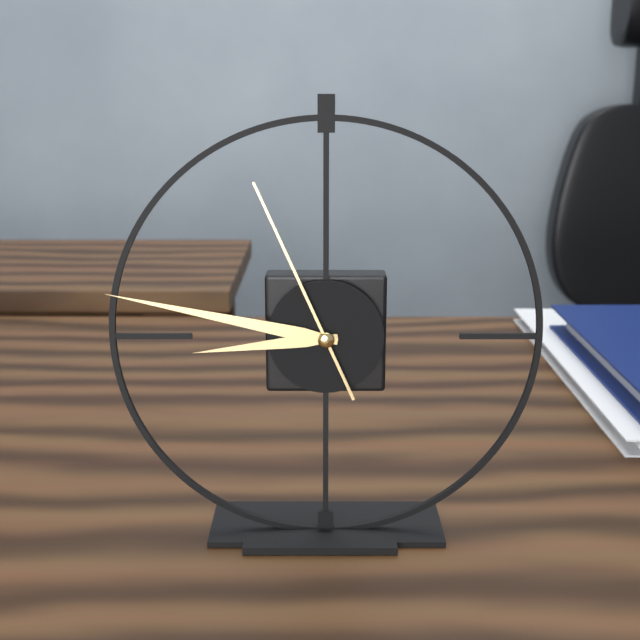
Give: 8h47m56s
